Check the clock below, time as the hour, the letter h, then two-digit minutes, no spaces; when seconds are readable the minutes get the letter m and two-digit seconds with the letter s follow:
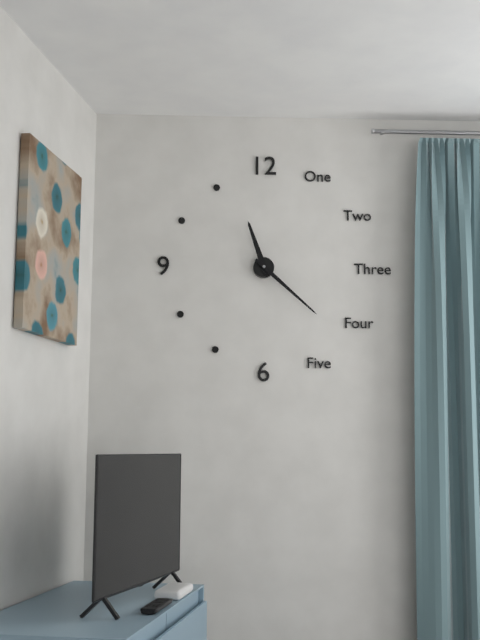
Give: 11h22
